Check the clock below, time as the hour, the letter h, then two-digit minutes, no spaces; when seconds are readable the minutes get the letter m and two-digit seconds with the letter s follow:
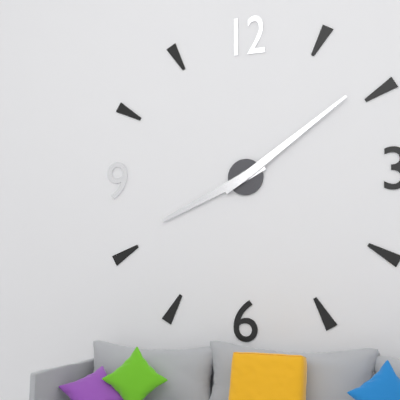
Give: 8h09
